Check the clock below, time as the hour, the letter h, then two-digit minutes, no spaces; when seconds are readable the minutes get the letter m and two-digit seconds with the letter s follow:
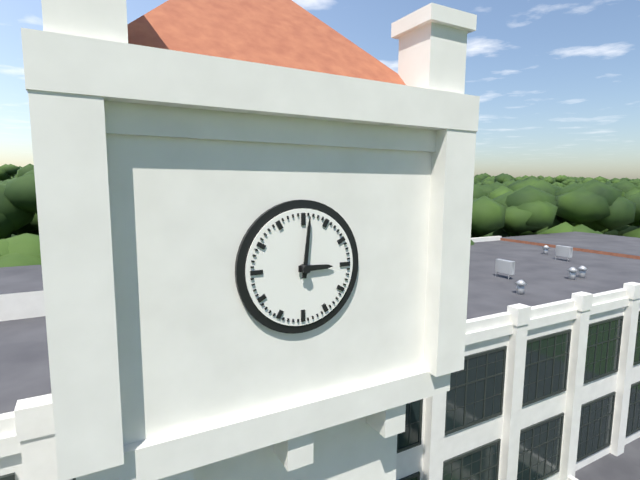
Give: 3h01
